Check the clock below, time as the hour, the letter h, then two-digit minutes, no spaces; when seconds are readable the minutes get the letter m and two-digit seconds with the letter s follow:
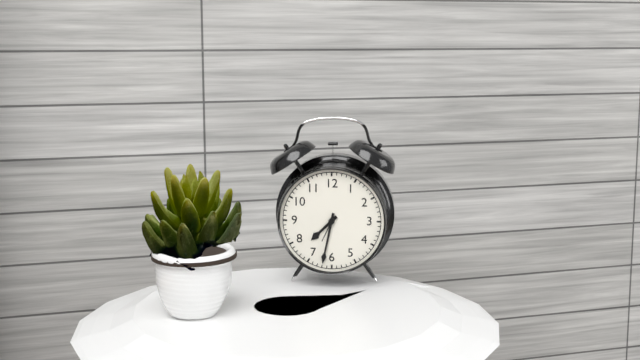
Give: 7h32
